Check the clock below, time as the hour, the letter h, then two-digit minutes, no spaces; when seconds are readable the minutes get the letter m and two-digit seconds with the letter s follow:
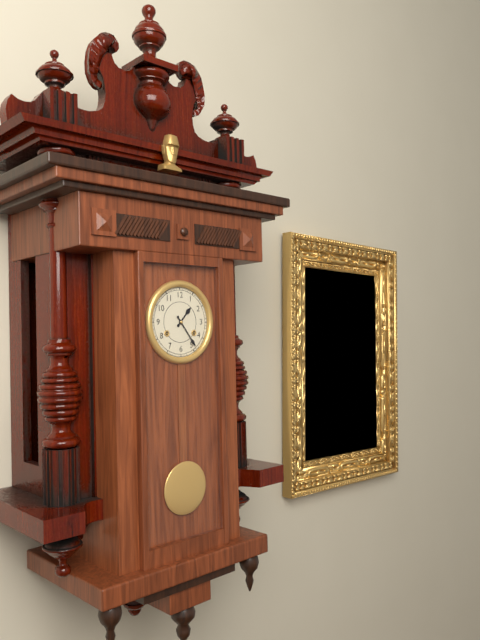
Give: 1h24
